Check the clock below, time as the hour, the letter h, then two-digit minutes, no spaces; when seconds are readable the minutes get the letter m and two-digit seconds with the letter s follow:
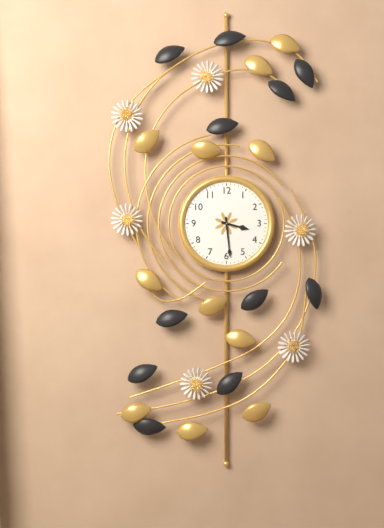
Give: 3h29
